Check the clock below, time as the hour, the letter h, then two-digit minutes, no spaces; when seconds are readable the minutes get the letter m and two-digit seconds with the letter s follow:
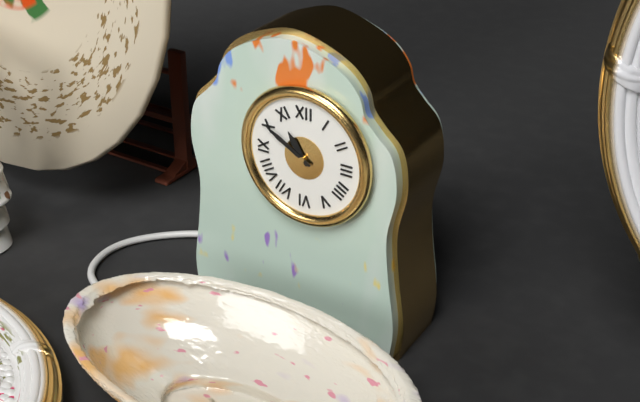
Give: 10h50
